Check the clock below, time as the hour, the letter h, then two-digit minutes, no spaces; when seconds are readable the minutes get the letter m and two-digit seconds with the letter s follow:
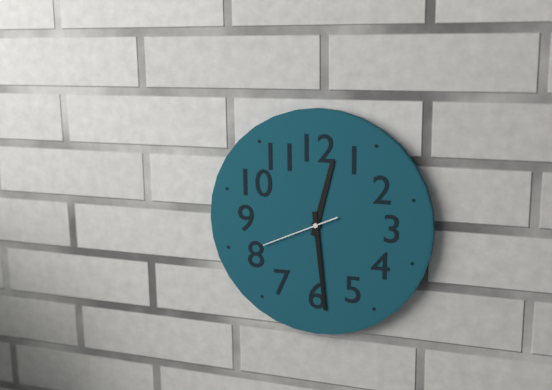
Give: 12h29m41s
